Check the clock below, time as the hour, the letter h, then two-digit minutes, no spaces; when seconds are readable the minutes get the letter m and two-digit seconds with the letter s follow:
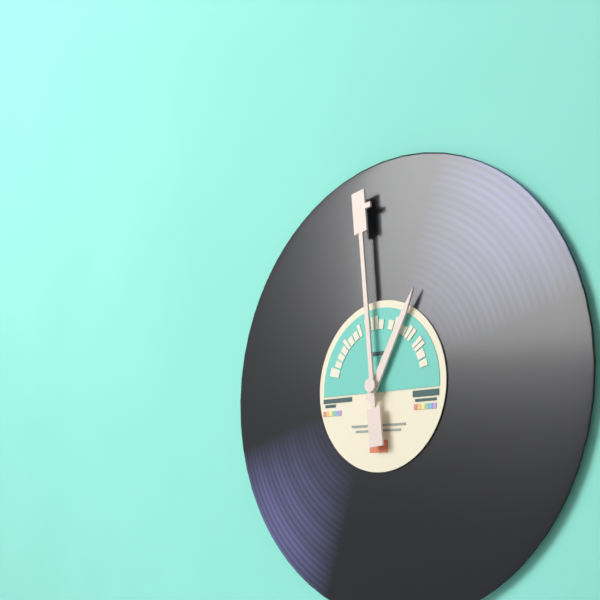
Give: 12h59
